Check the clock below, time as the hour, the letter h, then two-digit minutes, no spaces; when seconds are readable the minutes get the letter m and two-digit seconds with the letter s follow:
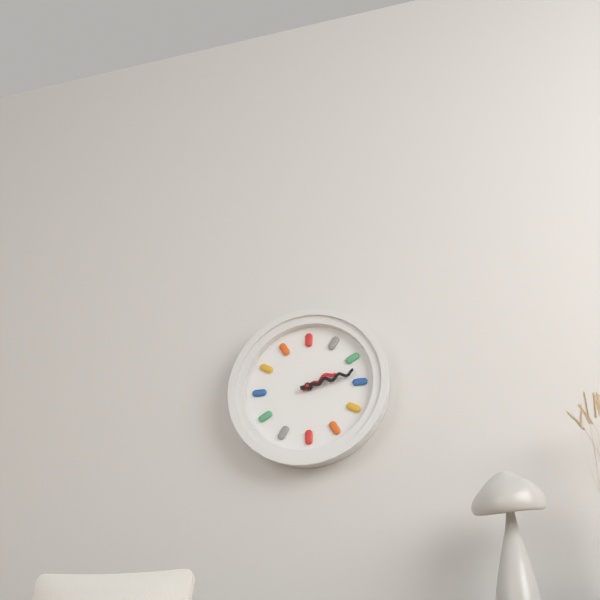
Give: 2h13
